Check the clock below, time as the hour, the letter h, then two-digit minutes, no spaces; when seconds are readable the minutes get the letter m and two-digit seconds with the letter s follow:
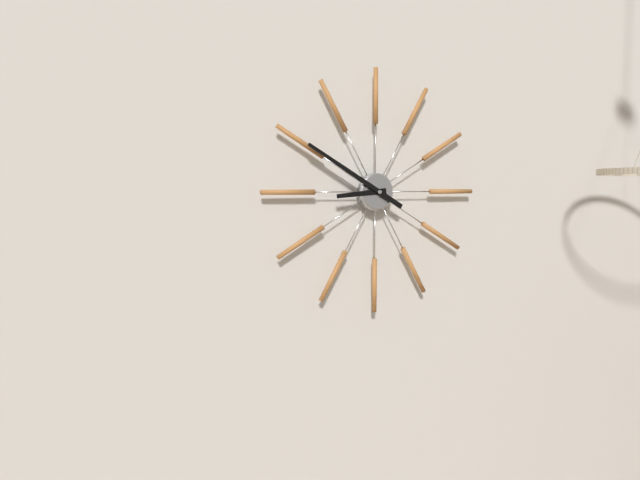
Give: 8h50
